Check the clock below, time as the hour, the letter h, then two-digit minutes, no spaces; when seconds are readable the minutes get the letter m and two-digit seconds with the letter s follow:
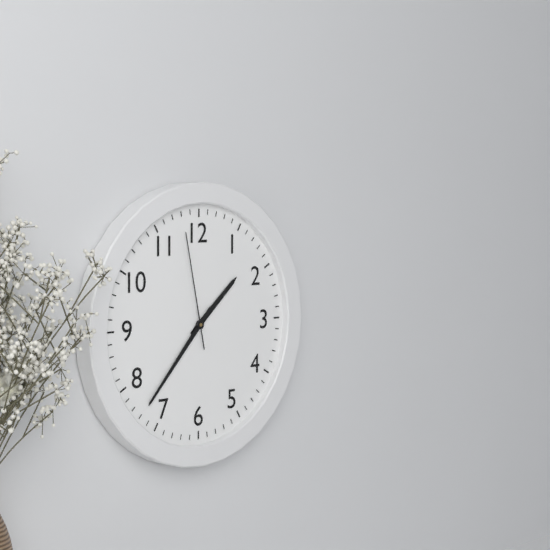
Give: 1h37m58s
